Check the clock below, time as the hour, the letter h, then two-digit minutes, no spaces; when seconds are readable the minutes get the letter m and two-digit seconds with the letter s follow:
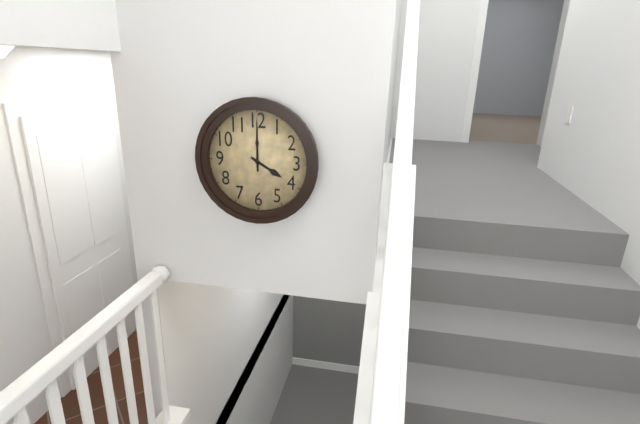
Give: 4h00
